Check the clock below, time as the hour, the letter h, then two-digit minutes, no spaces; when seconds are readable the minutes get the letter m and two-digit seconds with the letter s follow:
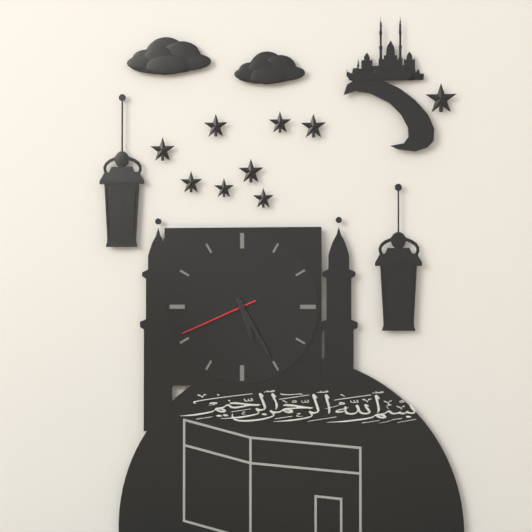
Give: 5h25m41s
